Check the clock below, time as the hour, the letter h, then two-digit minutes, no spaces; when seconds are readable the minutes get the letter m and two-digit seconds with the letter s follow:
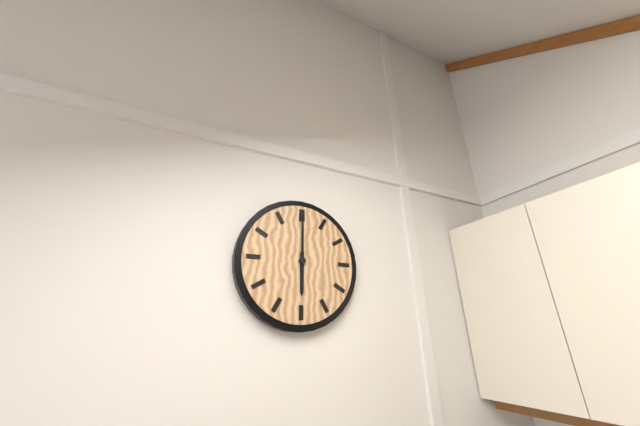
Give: 6h00
